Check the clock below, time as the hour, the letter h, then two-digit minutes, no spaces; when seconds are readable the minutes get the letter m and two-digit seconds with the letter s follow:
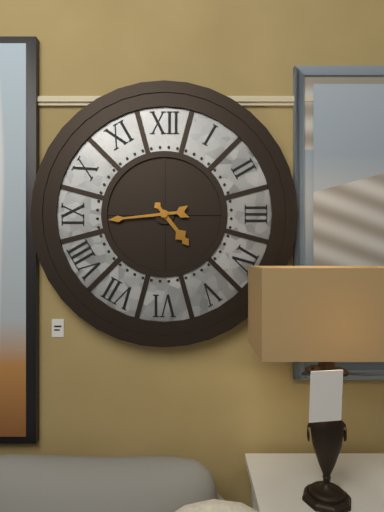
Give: 4h44
